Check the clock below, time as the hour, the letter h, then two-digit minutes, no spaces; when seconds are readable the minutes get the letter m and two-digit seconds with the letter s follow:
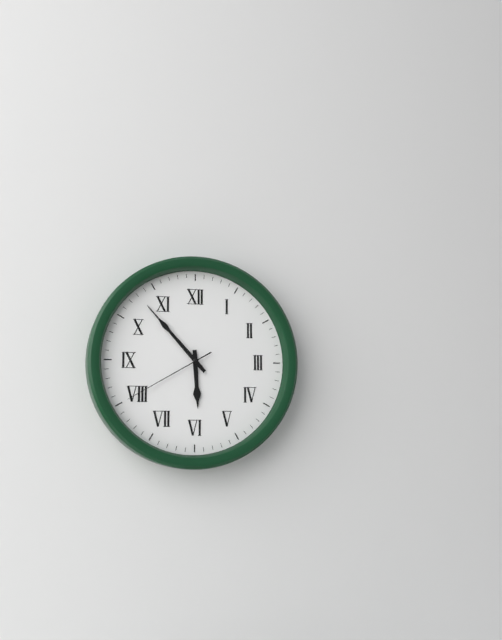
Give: 5h53m40s
